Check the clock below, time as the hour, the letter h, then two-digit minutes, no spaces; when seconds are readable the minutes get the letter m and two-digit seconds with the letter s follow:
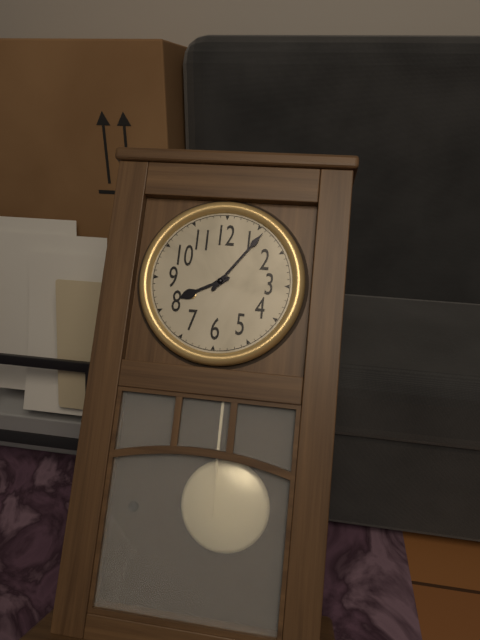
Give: 8h06
